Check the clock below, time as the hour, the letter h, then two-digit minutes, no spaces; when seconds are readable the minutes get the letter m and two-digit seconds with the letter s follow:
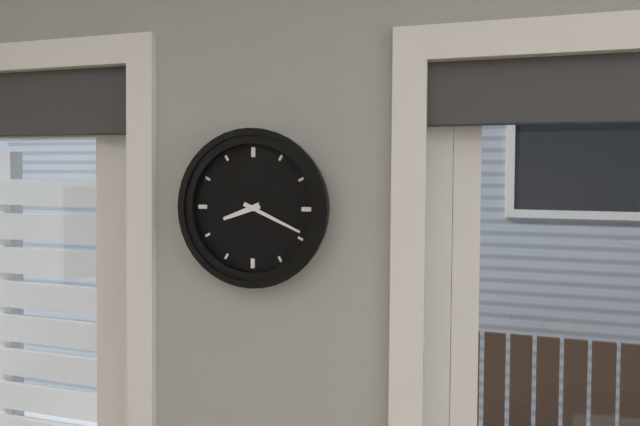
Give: 8h19
